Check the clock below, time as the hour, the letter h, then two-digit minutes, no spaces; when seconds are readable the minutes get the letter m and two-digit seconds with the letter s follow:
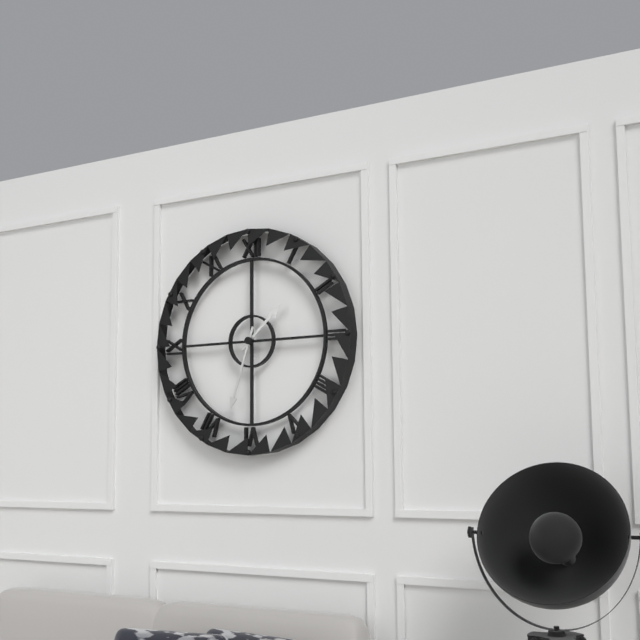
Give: 1h33
